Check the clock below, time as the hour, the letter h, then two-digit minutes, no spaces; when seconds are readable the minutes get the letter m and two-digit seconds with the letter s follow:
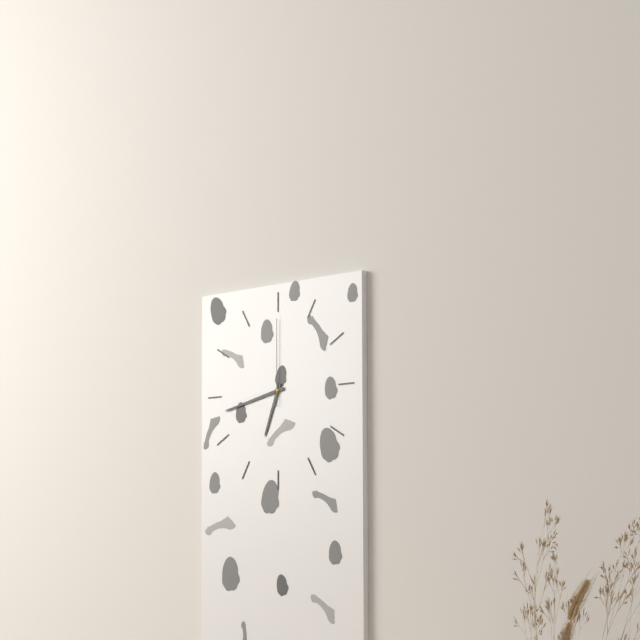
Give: 6h43m00s
